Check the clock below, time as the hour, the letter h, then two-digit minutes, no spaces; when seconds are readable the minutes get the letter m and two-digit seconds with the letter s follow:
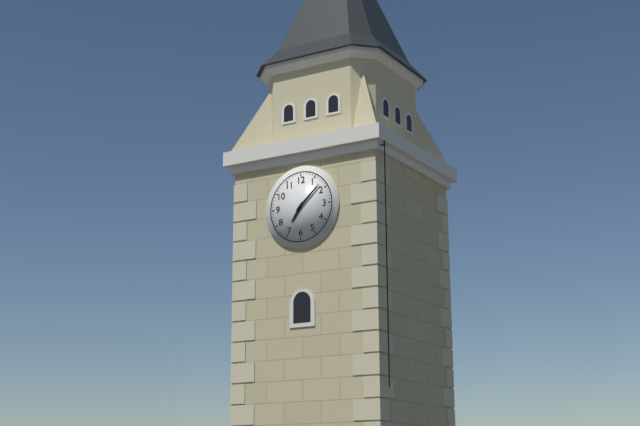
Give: 7h08
